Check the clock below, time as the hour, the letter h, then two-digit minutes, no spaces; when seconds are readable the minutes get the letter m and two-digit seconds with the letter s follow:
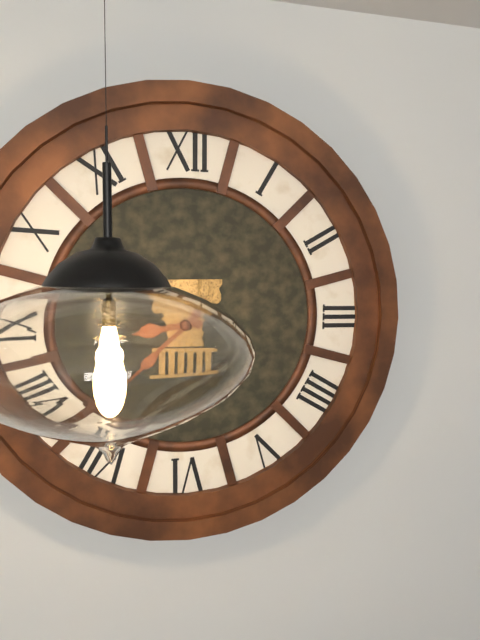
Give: 8h37
